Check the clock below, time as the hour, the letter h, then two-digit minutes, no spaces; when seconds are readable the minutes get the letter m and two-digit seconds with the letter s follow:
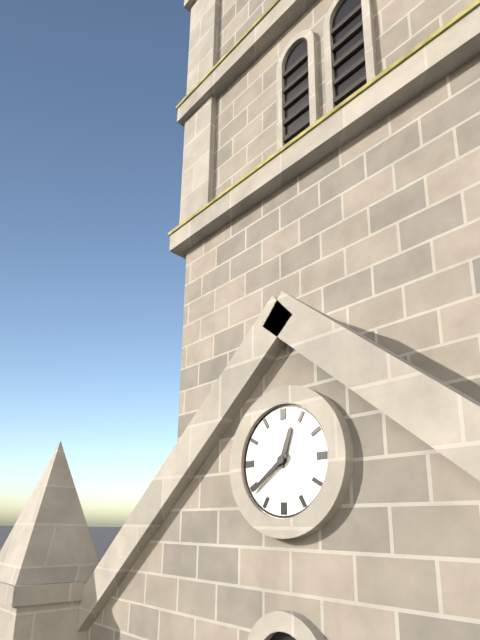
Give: 12h39
